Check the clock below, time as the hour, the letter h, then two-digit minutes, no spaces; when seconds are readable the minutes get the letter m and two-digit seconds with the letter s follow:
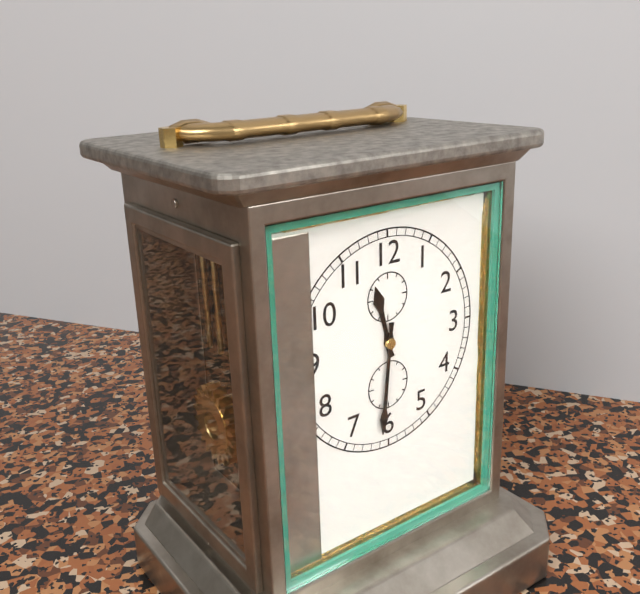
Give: 11h31
